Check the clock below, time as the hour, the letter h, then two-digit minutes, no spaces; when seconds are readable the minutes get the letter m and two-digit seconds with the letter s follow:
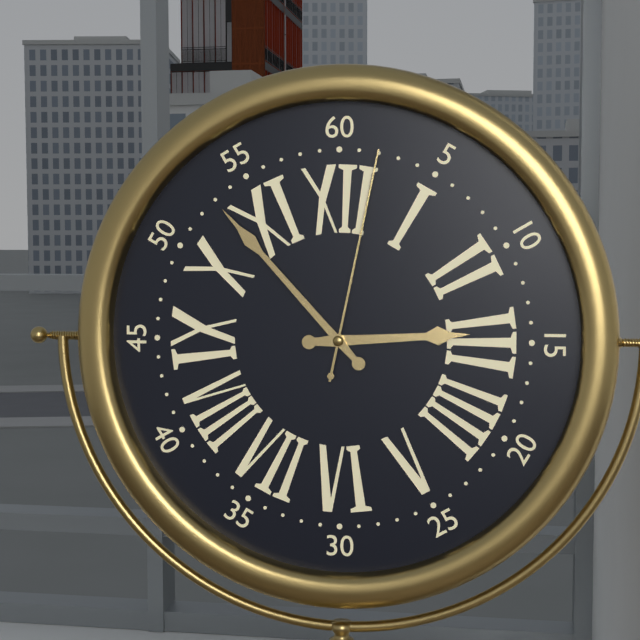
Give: 2h53m02s
